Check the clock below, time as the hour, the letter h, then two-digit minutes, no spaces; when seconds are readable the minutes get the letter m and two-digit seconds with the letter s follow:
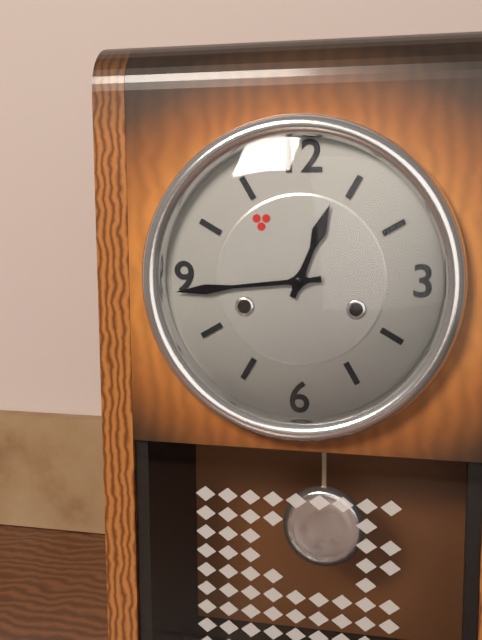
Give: 12h44
